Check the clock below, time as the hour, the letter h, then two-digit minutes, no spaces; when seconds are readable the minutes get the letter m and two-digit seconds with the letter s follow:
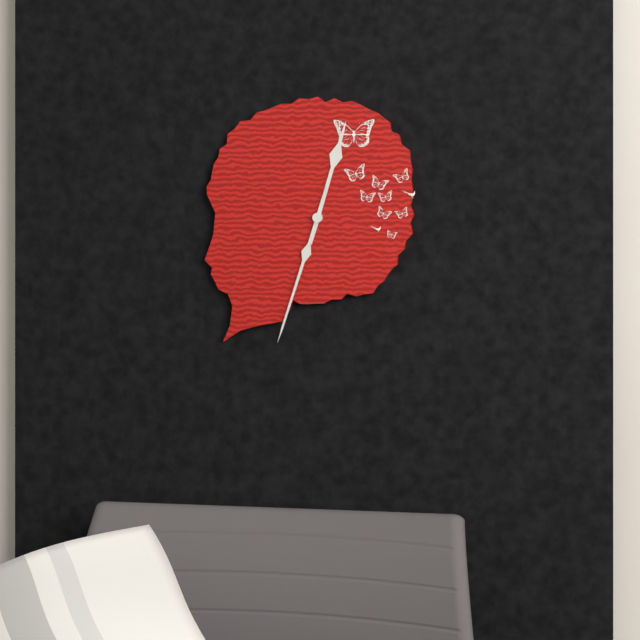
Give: 12h33
